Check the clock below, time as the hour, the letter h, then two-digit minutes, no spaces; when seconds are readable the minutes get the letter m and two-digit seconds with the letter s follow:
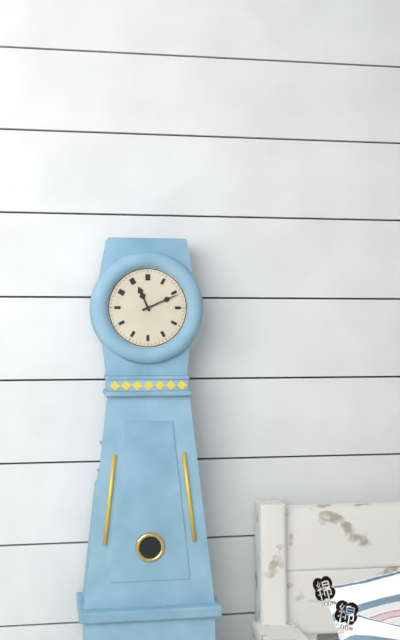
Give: 11h11
